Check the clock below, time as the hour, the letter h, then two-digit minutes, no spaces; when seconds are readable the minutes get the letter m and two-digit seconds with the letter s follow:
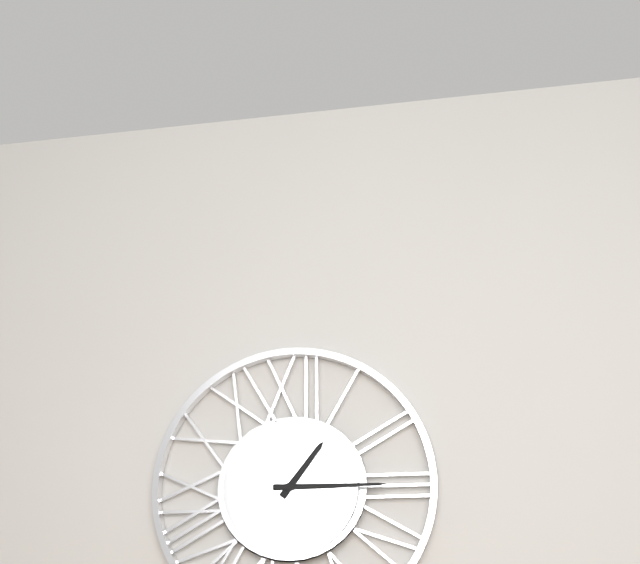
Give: 1h15
